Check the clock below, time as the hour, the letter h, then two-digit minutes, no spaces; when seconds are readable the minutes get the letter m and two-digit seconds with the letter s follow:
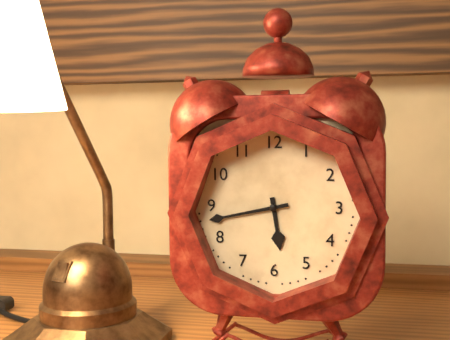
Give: 5h43
